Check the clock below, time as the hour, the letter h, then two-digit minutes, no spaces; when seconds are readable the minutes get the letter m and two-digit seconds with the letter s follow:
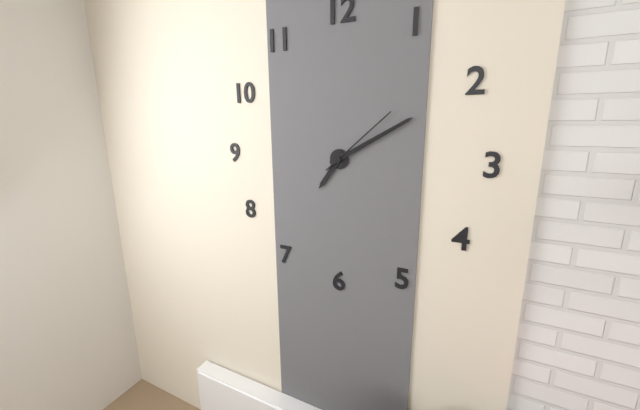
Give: 7h10m08s
